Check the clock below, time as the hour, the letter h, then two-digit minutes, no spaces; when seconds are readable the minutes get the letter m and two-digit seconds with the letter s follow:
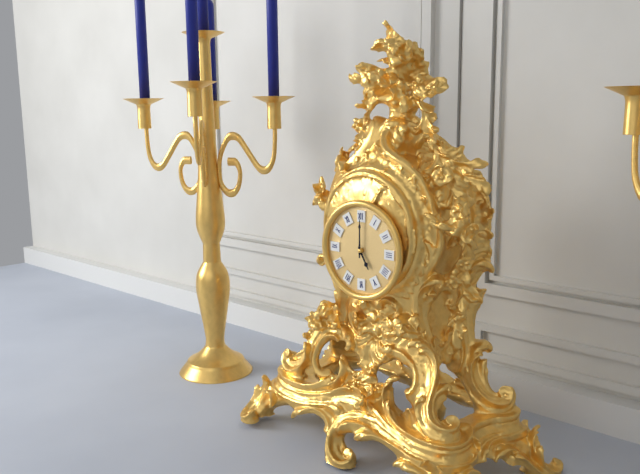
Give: 5h00
